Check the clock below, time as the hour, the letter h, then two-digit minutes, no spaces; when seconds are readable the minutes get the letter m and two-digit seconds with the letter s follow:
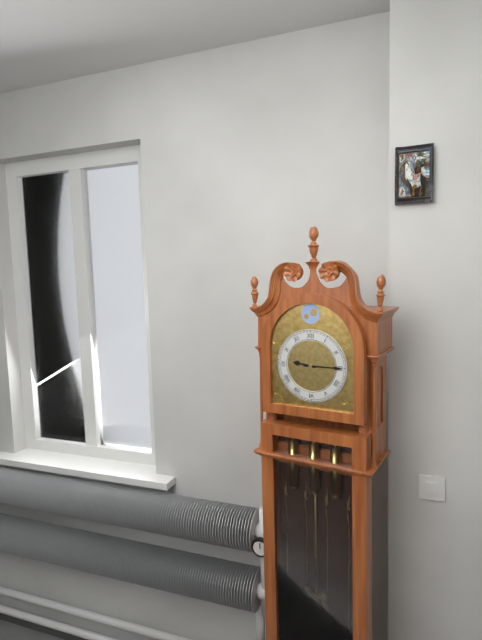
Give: 9h15
